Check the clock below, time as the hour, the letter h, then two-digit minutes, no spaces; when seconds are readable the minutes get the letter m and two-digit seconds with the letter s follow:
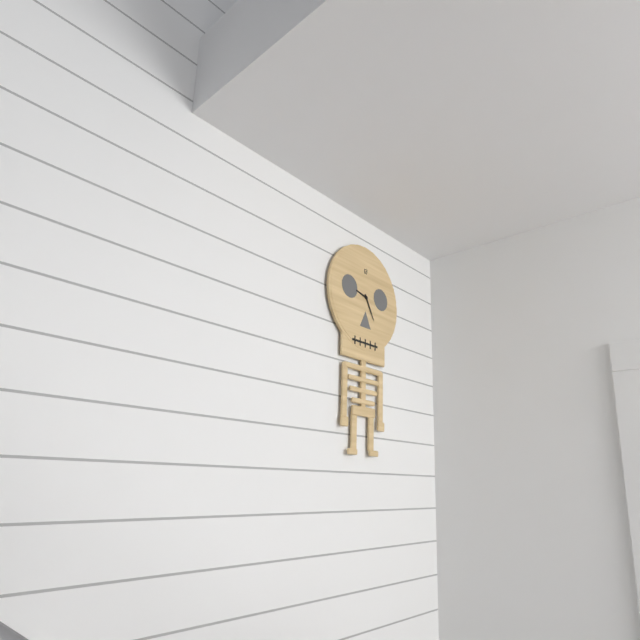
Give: 9h25
